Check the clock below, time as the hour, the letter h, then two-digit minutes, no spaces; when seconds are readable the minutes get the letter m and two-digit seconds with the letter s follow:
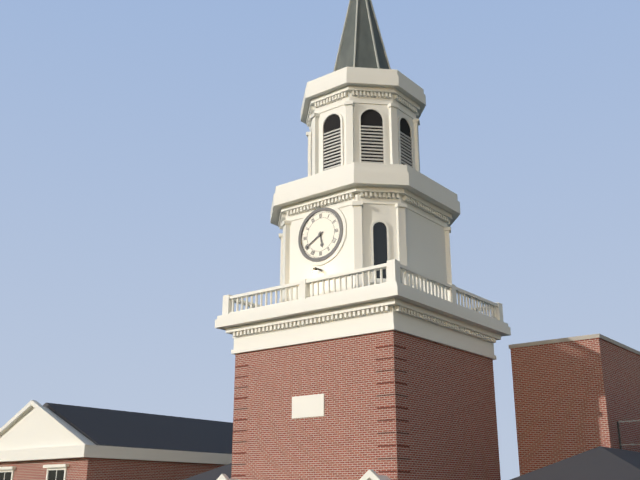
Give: 5h40
